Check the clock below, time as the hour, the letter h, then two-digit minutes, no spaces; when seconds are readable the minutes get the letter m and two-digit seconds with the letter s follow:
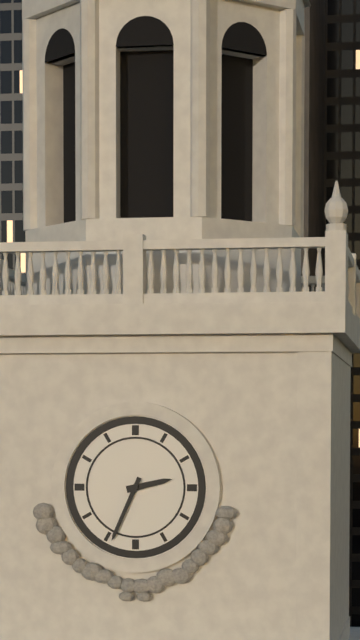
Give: 2h34
